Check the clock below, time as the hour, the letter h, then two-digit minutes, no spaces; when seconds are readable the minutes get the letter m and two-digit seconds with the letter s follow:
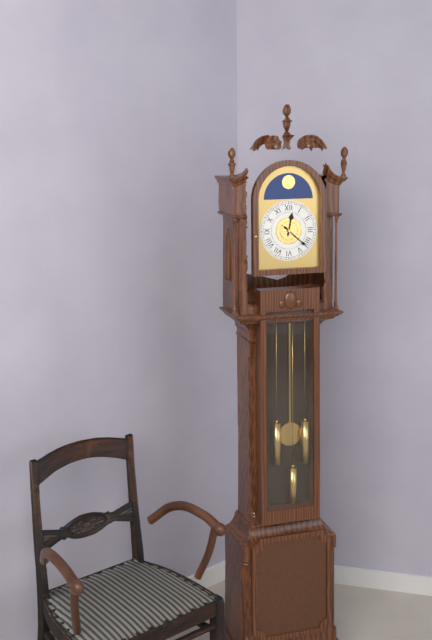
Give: 12h22
